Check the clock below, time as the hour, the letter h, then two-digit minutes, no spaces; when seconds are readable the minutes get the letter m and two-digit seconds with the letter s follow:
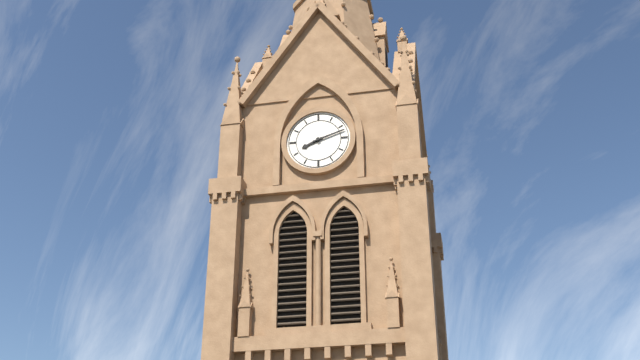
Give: 8h12
